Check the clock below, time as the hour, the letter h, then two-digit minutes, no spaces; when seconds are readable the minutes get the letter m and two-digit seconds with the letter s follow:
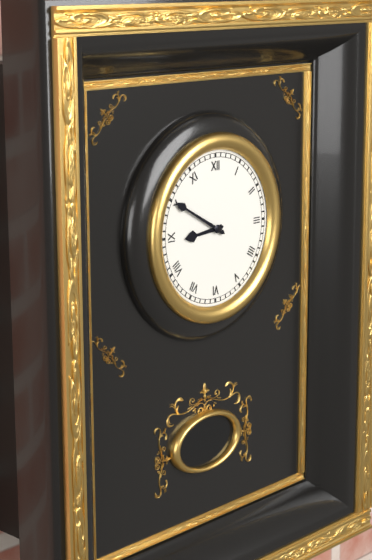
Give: 8h50
